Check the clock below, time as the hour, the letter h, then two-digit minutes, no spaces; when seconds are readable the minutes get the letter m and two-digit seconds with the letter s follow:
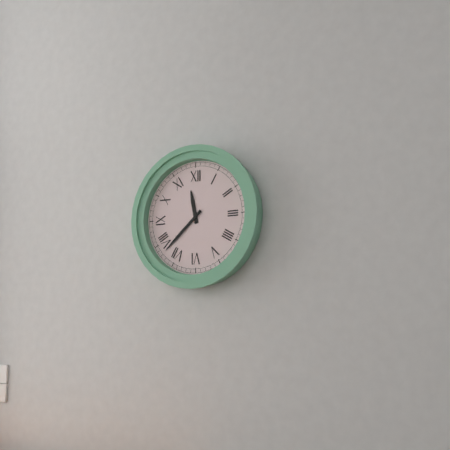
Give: 11h38
